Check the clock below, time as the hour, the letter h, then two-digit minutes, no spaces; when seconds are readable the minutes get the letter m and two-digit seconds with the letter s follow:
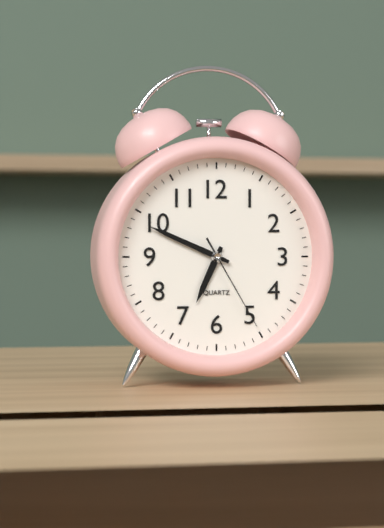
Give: 6h49m25s
